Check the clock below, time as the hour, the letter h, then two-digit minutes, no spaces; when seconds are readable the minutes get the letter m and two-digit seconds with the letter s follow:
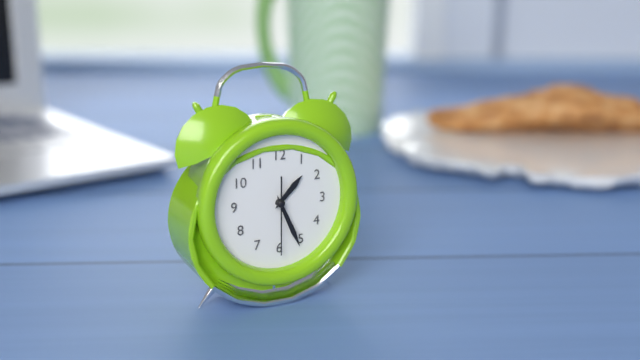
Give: 1h26m30s
